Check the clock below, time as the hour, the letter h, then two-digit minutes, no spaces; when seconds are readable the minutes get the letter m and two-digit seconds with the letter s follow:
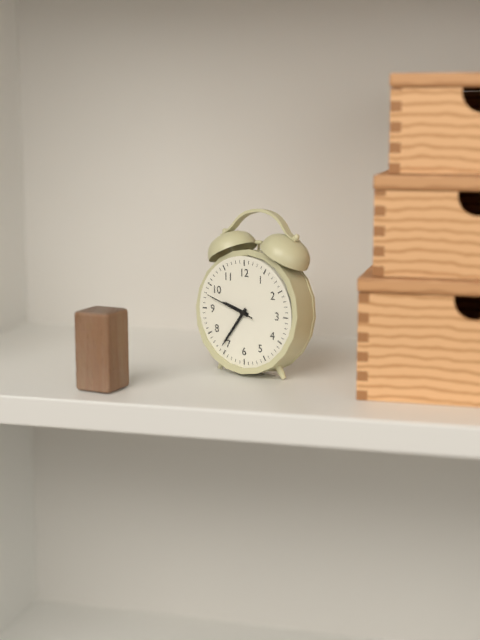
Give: 9h36m48s
